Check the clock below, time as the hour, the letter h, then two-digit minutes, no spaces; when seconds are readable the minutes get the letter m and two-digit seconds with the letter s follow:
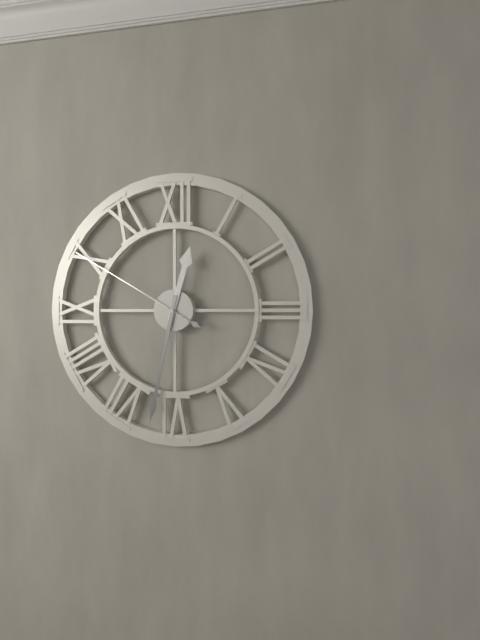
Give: 12h32m50s
